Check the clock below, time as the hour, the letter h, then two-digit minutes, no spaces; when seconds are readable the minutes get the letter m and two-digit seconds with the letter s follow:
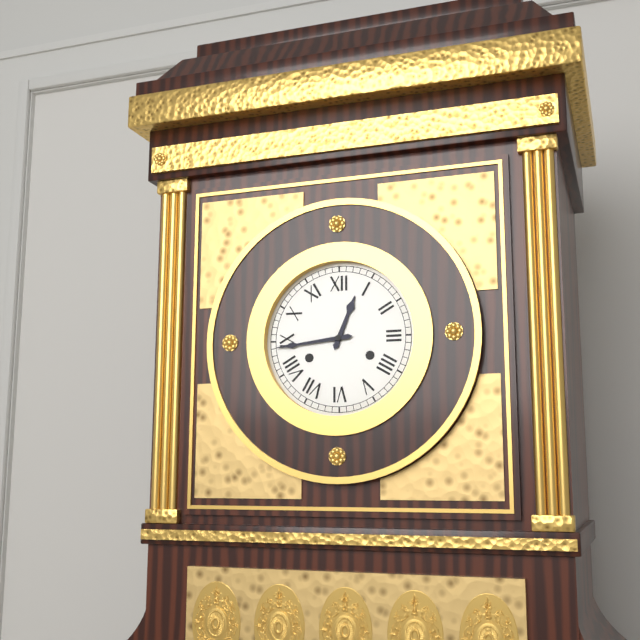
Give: 12h44
